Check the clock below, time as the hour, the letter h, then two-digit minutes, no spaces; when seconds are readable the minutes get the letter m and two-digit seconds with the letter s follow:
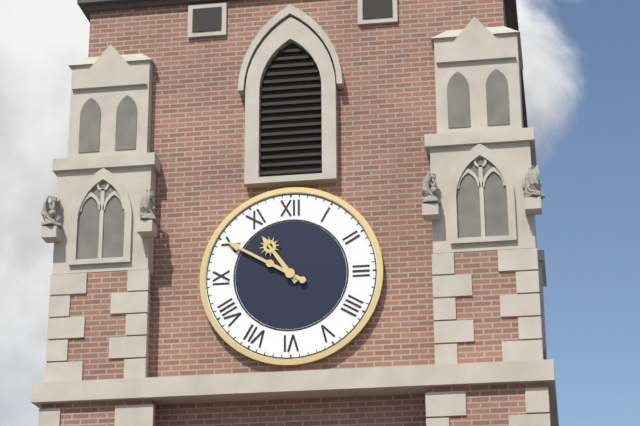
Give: 10h50
